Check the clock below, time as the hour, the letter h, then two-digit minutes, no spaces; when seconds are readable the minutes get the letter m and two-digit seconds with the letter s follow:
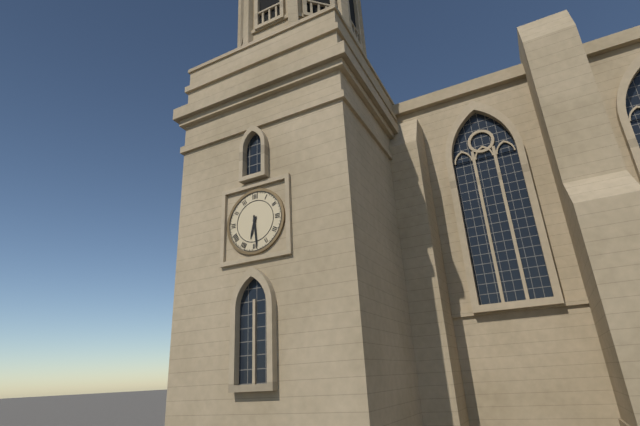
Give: 6h29
